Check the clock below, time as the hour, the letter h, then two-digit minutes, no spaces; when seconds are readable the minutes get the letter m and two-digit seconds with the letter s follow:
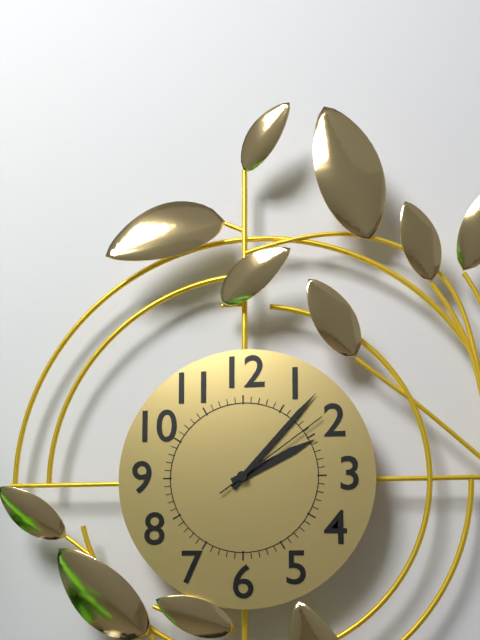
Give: 2h07m09s
